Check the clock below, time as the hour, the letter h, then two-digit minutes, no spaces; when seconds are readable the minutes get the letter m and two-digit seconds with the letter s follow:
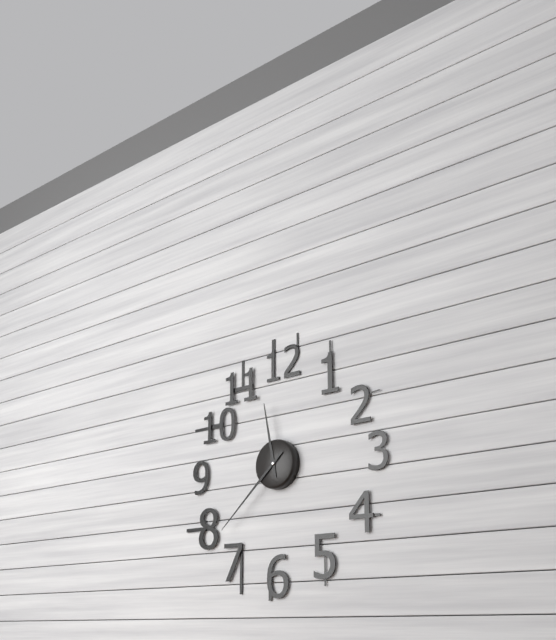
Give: 11h38
